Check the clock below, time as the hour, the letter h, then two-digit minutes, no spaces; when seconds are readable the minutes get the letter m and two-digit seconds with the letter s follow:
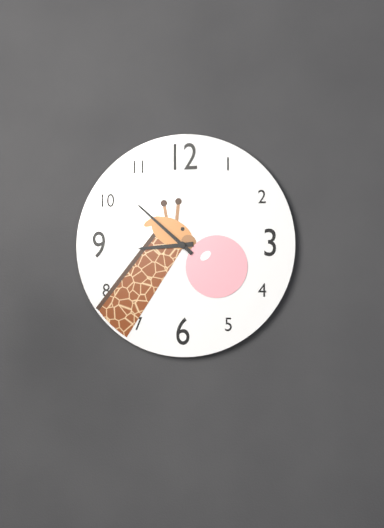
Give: 8h52
